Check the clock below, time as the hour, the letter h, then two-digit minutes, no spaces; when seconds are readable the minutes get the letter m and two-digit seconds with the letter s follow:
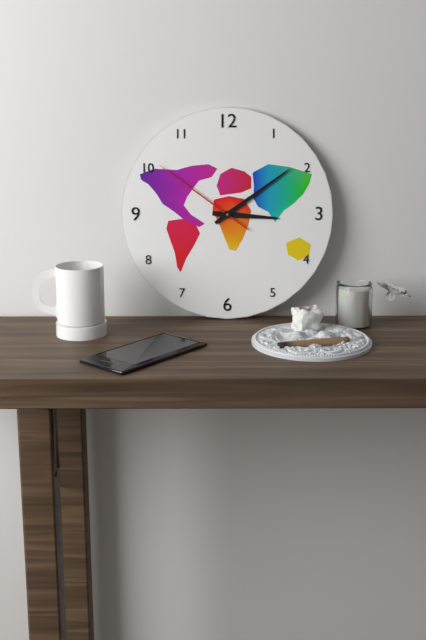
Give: 3h09m51s
